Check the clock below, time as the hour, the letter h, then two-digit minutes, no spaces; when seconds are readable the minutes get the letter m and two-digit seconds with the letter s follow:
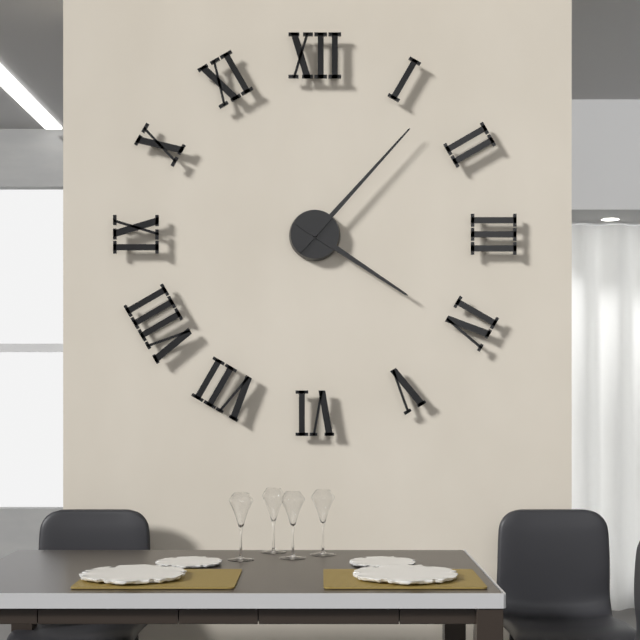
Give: 4h07
